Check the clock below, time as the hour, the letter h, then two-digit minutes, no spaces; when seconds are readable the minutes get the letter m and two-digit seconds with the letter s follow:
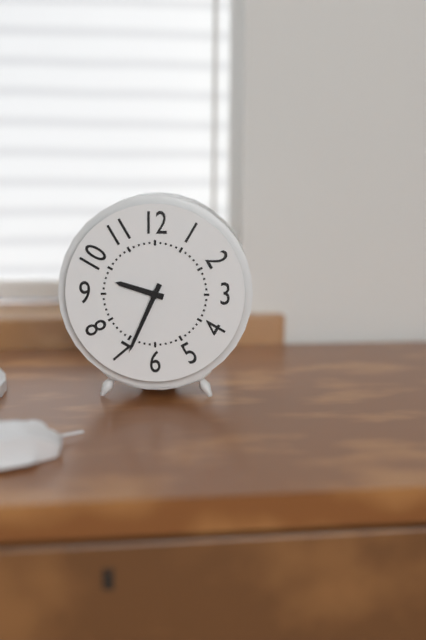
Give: 9h34
